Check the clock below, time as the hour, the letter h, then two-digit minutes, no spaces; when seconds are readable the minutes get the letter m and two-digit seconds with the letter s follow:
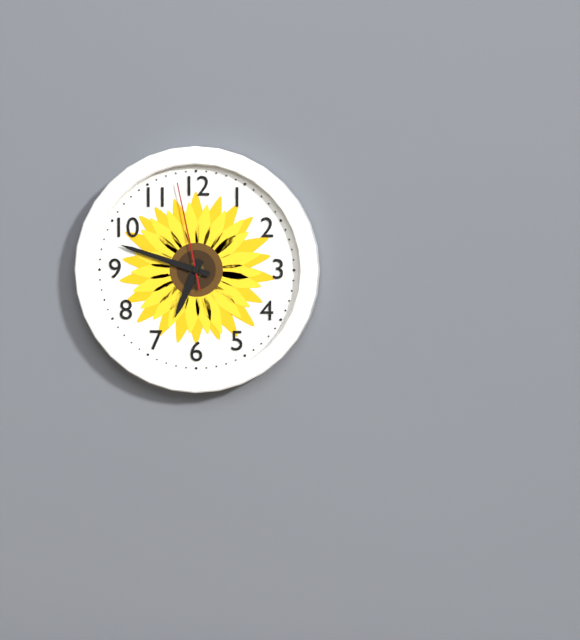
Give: 6h48m58s
